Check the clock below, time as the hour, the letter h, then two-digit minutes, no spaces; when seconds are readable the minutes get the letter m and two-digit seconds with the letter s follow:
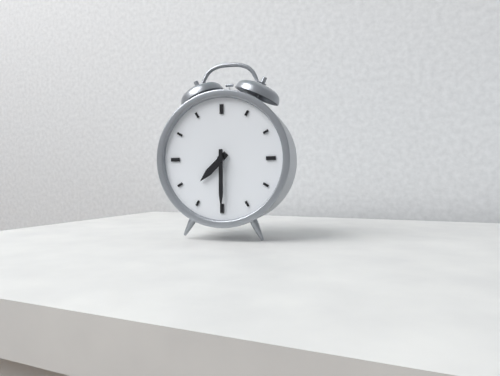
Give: 7h30
